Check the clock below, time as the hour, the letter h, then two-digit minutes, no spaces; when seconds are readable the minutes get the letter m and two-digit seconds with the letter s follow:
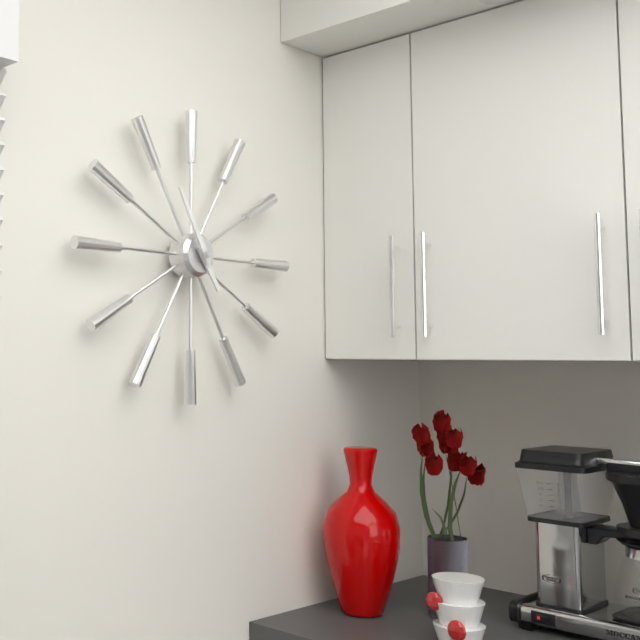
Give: 4h55
